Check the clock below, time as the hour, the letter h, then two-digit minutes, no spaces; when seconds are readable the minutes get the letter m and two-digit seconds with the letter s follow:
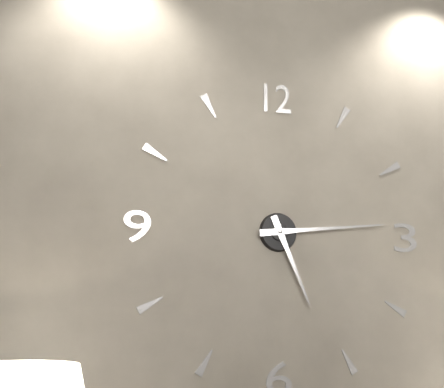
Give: 5h14
